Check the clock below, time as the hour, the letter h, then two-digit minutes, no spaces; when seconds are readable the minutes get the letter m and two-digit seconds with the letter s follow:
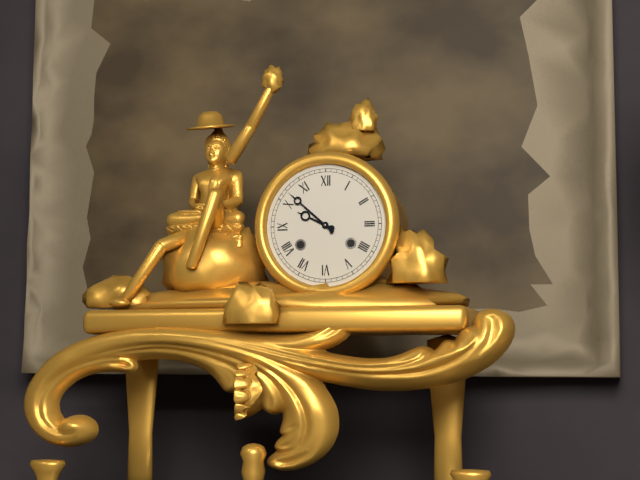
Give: 9h52
